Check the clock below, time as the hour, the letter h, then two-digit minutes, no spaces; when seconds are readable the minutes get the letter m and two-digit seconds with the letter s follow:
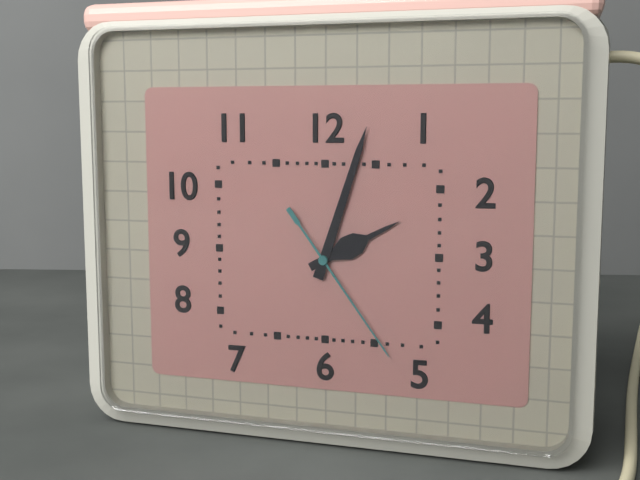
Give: 2h03m24s
